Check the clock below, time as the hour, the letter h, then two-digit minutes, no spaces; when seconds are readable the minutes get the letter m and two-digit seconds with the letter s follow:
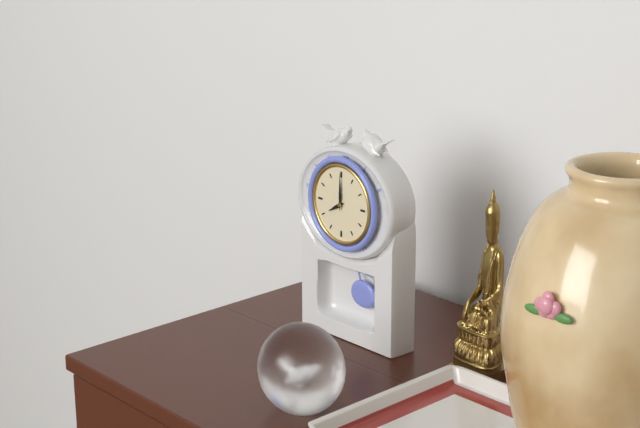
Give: 8h00
